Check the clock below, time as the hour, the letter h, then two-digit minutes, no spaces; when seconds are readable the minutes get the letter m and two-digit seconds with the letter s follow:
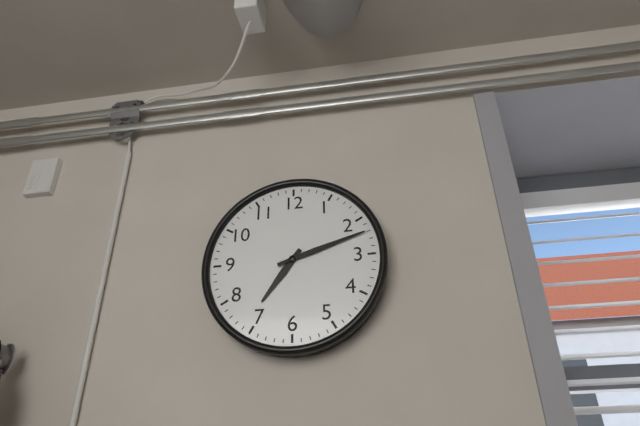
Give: 7h12
